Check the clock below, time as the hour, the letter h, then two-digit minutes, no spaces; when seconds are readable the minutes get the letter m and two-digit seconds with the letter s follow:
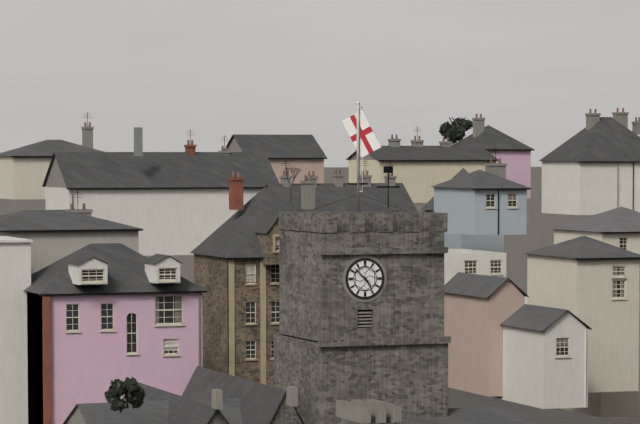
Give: 4h52
